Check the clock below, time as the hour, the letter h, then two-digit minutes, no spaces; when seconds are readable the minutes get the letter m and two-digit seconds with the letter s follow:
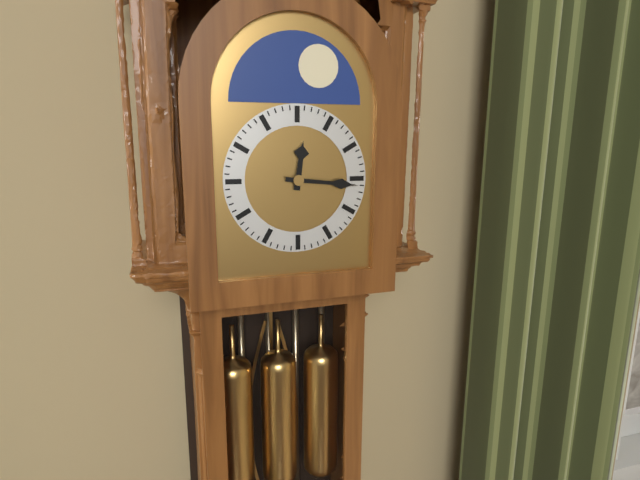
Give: 12h16
